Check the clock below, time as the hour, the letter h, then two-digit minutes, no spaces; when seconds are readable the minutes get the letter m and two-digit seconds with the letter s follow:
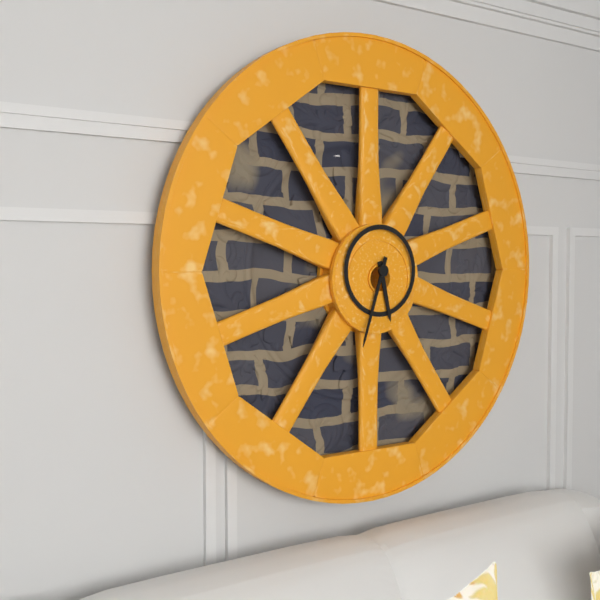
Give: 5h33
